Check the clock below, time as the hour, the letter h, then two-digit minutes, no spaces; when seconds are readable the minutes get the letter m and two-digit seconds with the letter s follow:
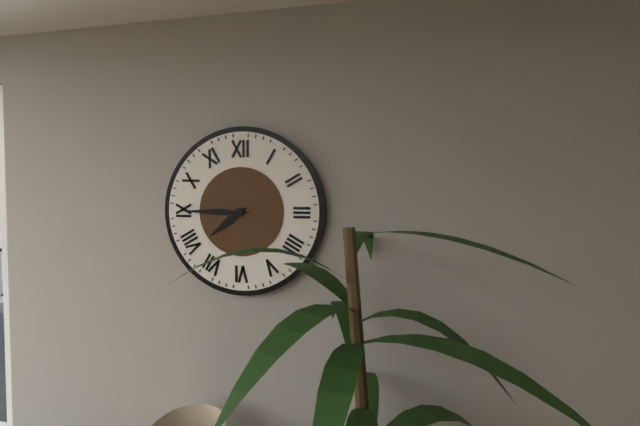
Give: 7h45
